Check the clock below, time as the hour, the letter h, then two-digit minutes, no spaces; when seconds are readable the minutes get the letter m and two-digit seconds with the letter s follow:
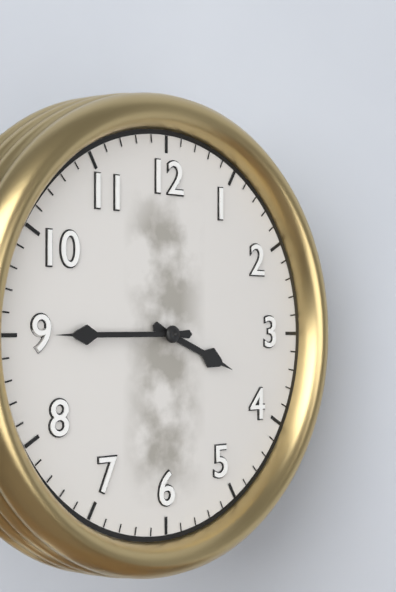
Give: 3h45
